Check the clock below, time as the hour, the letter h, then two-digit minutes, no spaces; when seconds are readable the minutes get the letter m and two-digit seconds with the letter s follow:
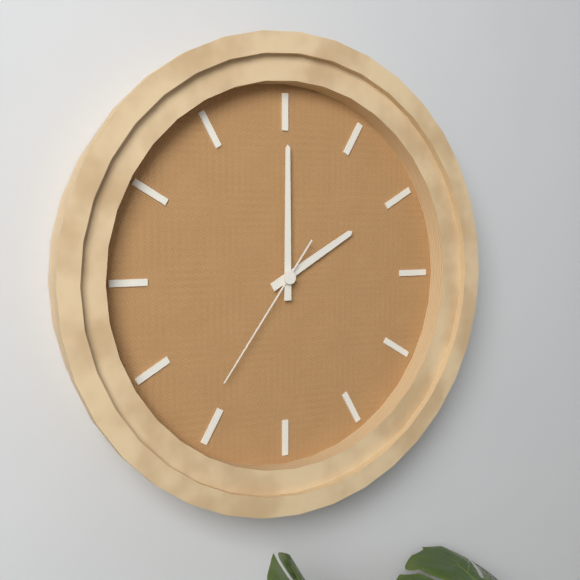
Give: 2h00m36s
